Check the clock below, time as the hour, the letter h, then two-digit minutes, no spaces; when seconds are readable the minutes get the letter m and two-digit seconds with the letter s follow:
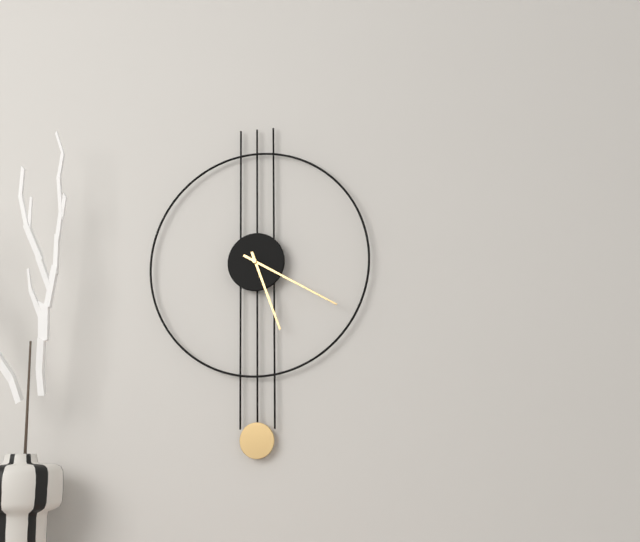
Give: 5h20
